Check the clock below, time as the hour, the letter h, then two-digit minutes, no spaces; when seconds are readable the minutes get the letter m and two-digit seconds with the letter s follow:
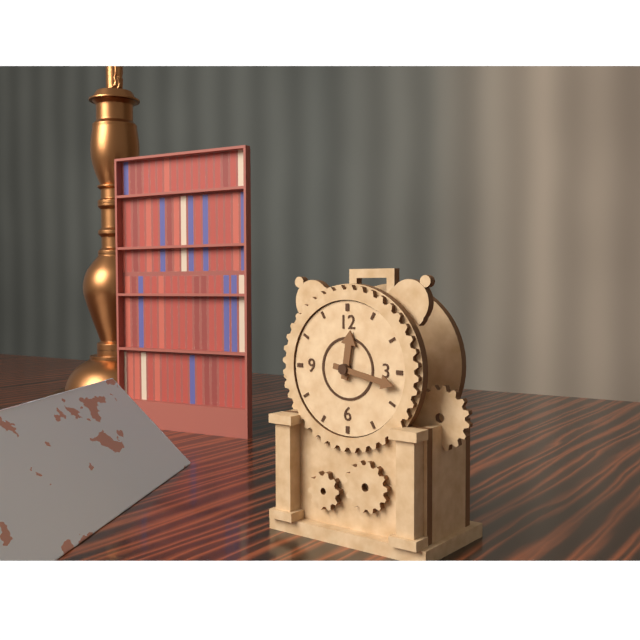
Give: 12h17
